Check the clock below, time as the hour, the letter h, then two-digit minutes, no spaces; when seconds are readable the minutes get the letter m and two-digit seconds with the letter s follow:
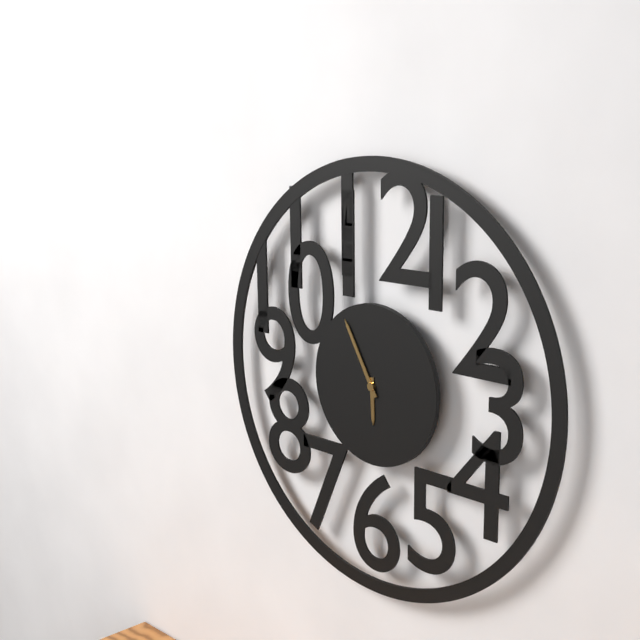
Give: 5h55
